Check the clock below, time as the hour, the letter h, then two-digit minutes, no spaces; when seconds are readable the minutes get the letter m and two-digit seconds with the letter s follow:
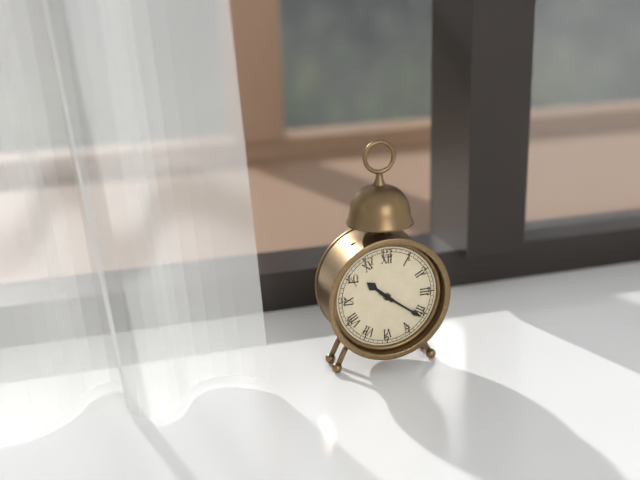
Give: 10h21
